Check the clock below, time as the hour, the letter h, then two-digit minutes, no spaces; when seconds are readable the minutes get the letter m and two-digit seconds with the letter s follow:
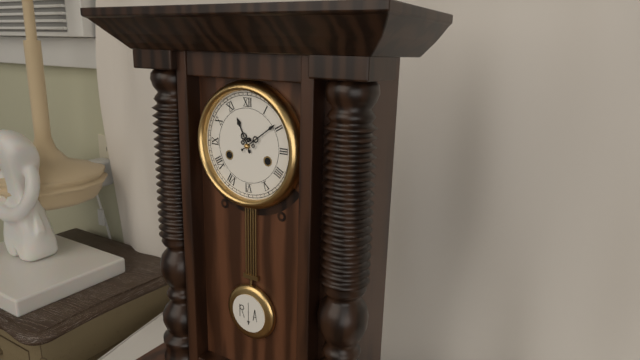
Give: 11h09
